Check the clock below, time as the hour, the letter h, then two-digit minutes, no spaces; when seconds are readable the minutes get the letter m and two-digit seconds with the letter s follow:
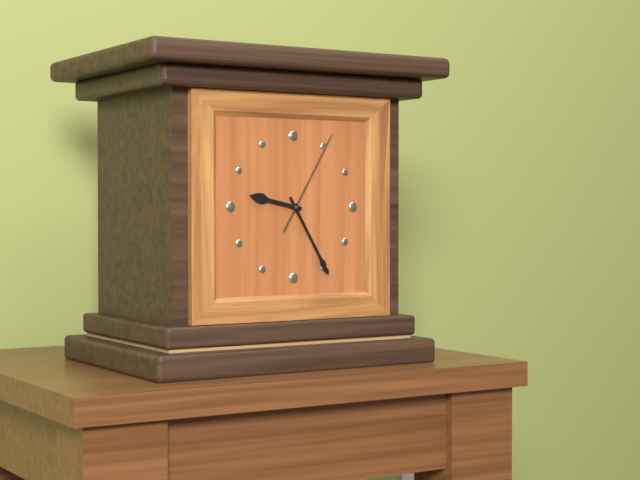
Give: 9h25m05s
